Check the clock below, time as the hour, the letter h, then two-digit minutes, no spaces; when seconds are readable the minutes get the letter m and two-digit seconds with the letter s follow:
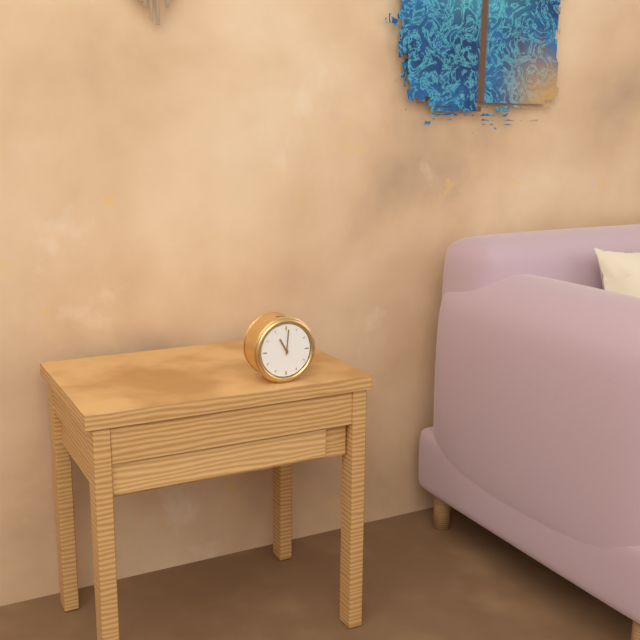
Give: 11h01
